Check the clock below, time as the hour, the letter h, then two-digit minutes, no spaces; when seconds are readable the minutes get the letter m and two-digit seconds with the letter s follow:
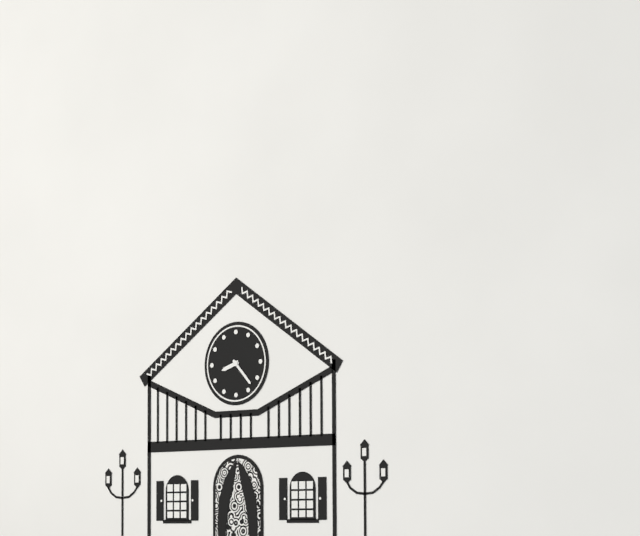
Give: 8h23
